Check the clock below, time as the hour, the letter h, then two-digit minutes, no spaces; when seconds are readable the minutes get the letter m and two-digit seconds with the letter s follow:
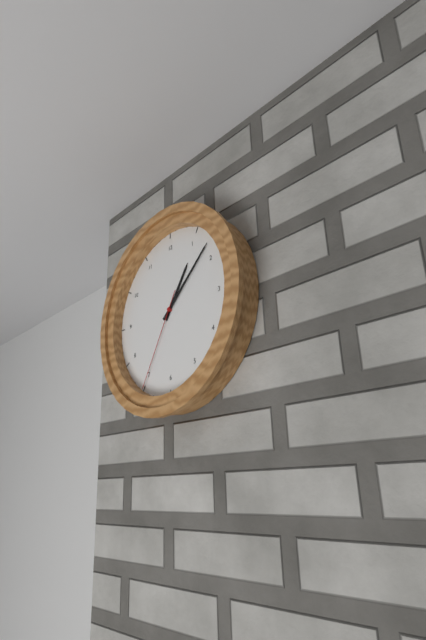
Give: 1h08m35s
